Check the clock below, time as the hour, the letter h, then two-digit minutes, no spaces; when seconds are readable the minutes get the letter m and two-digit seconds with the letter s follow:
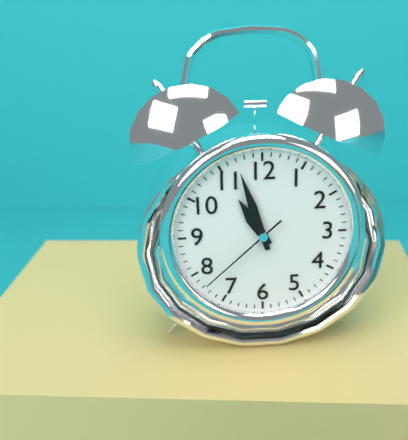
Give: 10h57m38s
